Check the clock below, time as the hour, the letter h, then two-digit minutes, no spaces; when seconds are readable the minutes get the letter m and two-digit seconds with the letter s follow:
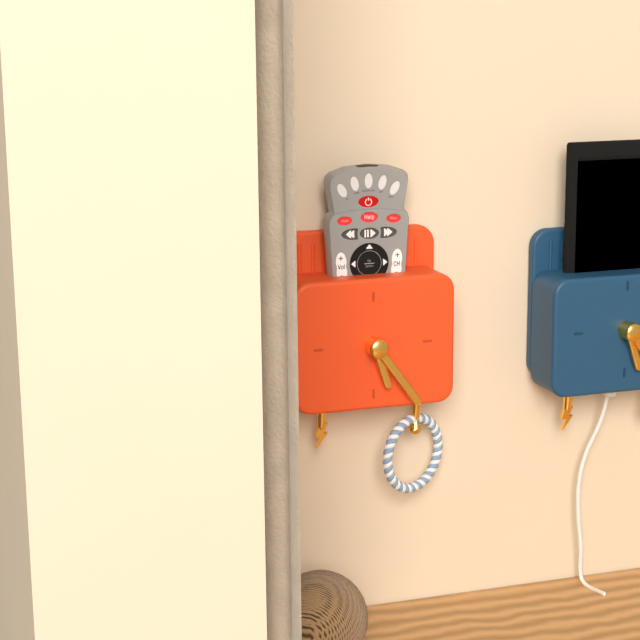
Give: 5h24
